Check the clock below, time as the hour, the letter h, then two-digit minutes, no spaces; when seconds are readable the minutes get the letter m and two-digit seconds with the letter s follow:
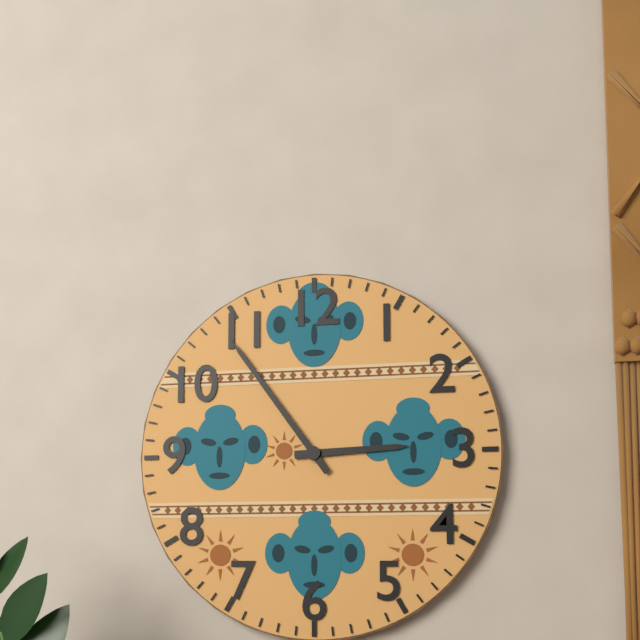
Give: 2h54
